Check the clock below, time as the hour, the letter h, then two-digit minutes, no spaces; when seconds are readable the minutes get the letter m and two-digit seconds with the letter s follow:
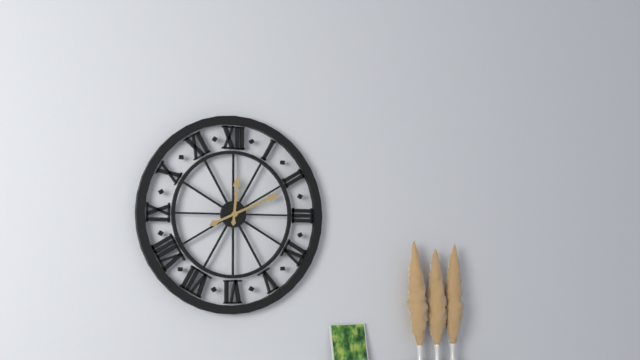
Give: 12h11
